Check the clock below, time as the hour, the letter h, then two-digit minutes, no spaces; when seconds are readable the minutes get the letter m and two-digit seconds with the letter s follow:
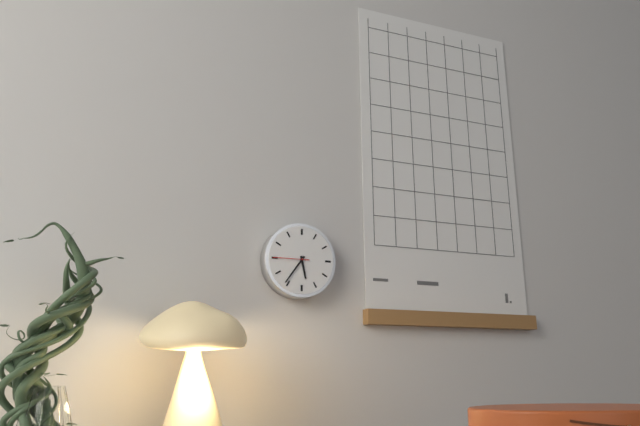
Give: 5h36
